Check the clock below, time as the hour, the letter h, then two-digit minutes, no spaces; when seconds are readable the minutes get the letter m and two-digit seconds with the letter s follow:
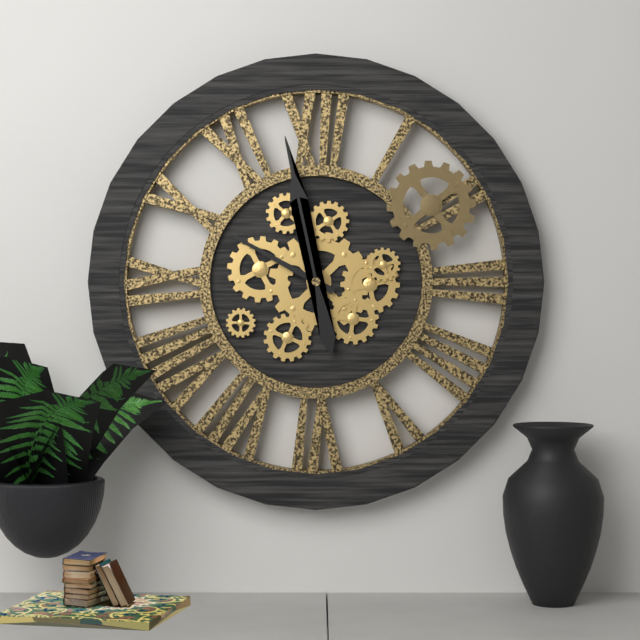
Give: 9h58
